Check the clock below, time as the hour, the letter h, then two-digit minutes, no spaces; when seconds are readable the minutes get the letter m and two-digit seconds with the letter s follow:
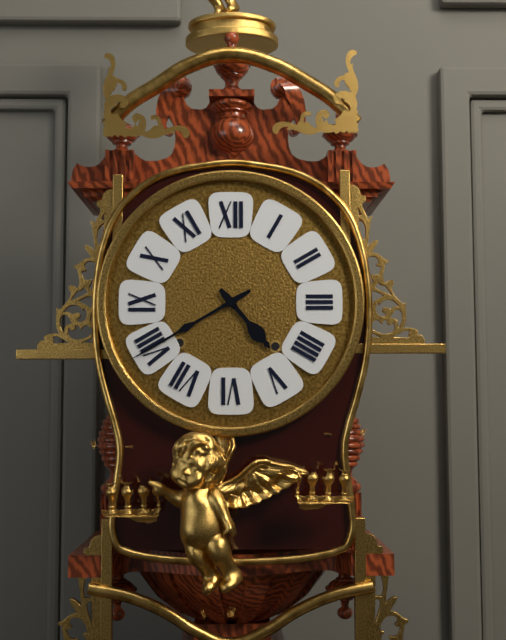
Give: 4h40
